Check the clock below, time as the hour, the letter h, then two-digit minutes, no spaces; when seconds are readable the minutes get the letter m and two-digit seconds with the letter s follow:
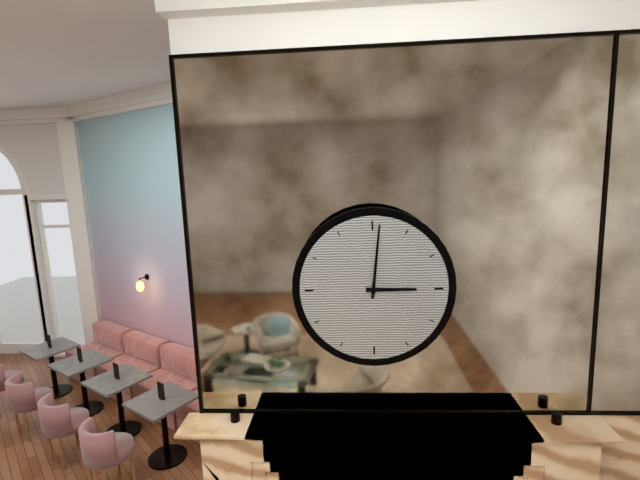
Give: 3h01
